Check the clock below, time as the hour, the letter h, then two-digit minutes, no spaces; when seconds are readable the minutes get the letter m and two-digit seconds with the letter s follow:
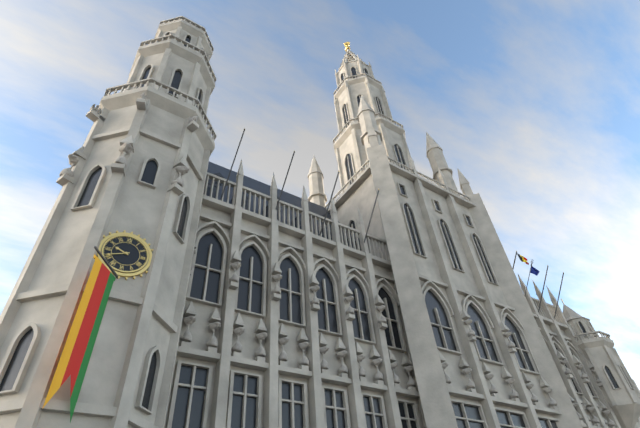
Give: 9h41
